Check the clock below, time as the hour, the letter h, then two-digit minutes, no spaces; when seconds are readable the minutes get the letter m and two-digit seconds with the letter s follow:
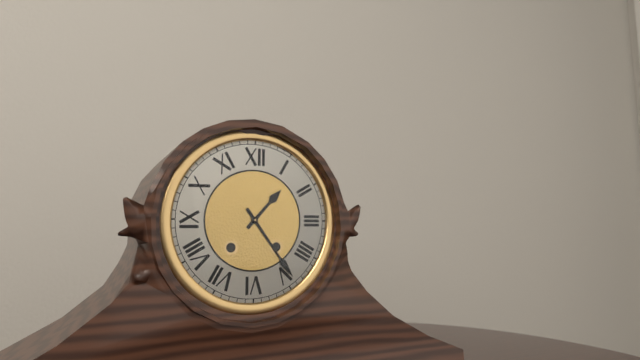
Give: 1h24
